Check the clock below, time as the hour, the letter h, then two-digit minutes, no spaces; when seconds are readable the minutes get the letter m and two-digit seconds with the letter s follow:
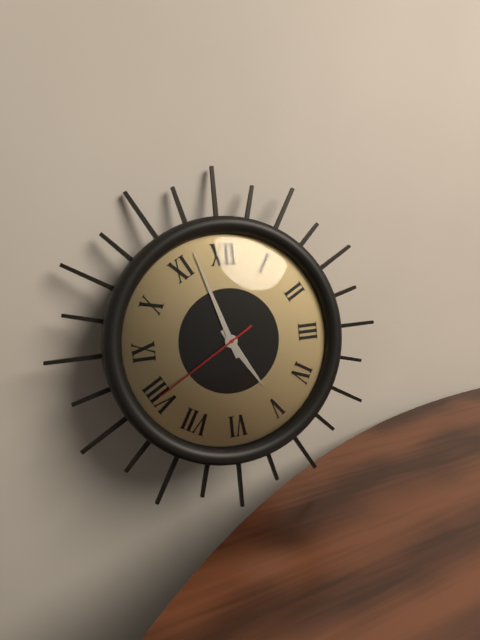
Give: 4h57m40s
